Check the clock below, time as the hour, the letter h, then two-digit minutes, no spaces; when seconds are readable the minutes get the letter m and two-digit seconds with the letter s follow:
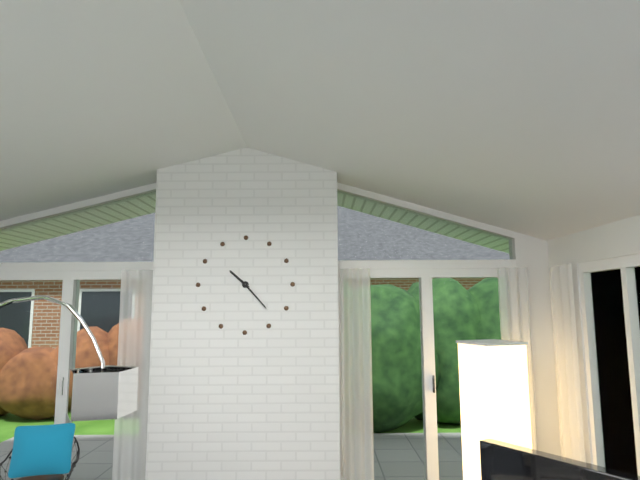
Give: 10h23
